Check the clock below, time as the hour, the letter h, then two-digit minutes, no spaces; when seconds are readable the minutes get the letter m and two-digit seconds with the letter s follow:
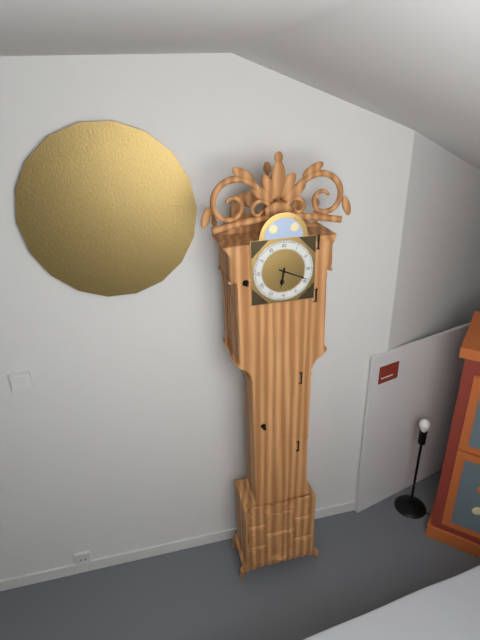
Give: 6h19
